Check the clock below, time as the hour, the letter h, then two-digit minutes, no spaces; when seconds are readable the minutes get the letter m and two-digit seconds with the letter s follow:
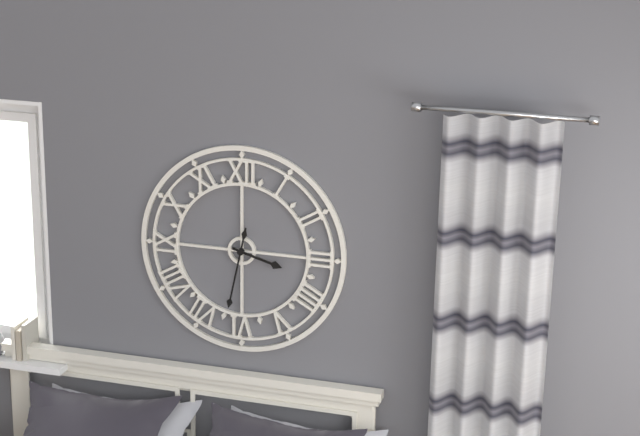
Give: 3h32
